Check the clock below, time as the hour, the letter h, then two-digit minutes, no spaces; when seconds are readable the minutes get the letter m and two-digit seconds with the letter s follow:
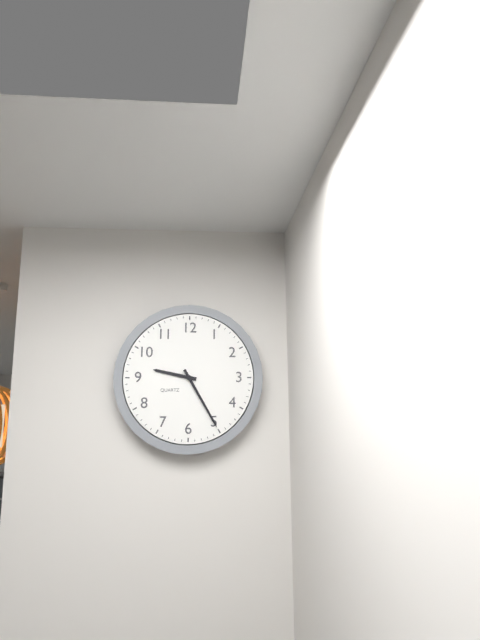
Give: 9h25
